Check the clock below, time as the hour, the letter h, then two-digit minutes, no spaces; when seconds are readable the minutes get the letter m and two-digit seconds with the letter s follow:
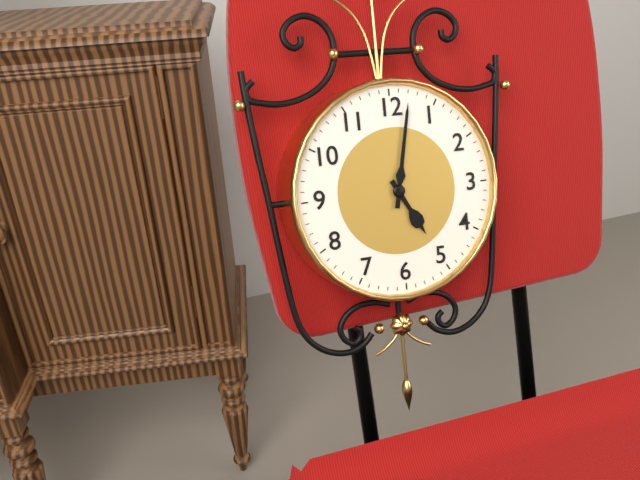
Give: 5h02
